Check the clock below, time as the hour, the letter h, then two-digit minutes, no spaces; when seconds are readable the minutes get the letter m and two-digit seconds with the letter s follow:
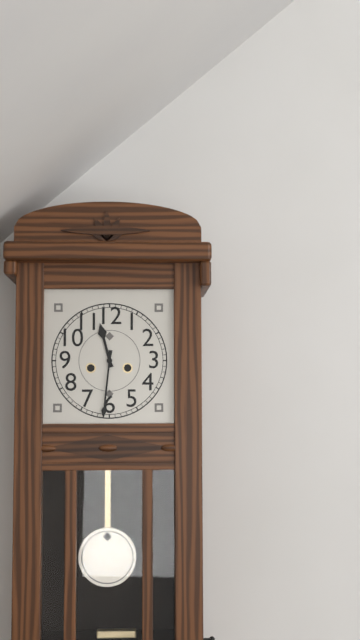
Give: 11h31
